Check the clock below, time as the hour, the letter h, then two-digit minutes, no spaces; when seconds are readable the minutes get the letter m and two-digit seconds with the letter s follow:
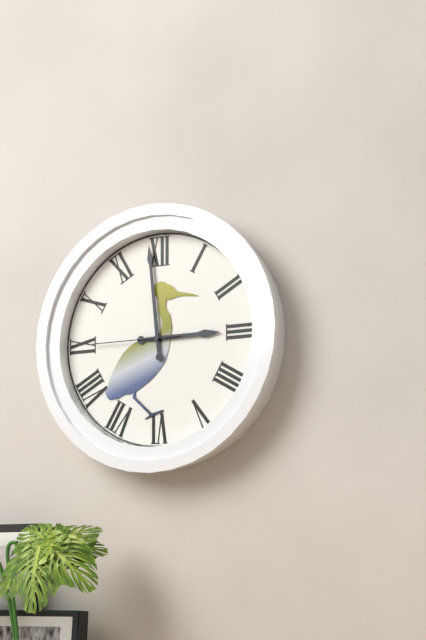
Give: 2h59m45s
